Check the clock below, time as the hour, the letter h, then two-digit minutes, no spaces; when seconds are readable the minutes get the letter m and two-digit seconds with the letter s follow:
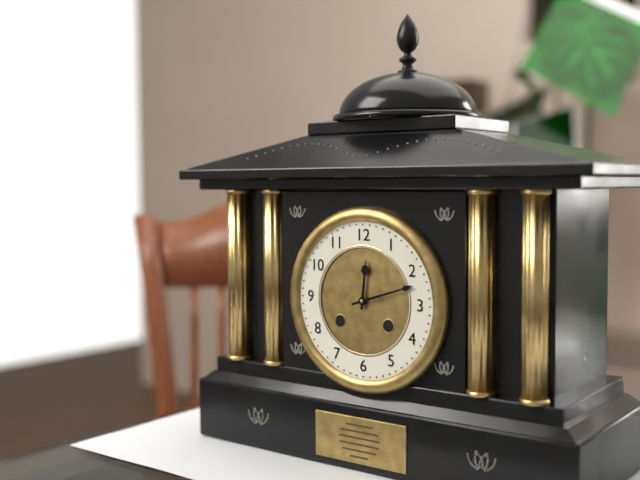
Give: 12h12
